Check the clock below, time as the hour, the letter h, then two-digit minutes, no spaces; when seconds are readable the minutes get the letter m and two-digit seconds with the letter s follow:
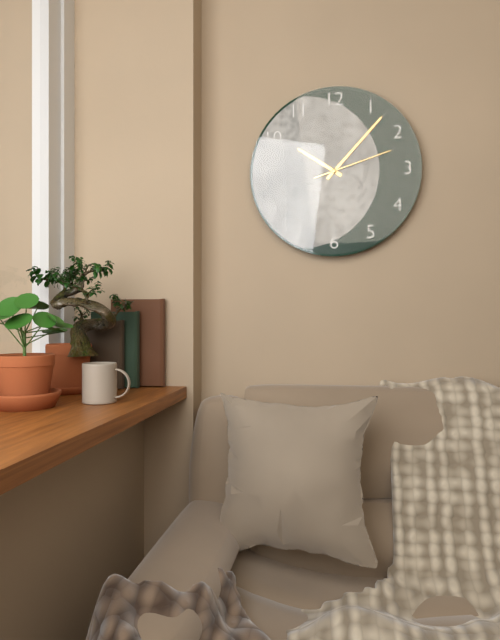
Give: 10h07m12s
